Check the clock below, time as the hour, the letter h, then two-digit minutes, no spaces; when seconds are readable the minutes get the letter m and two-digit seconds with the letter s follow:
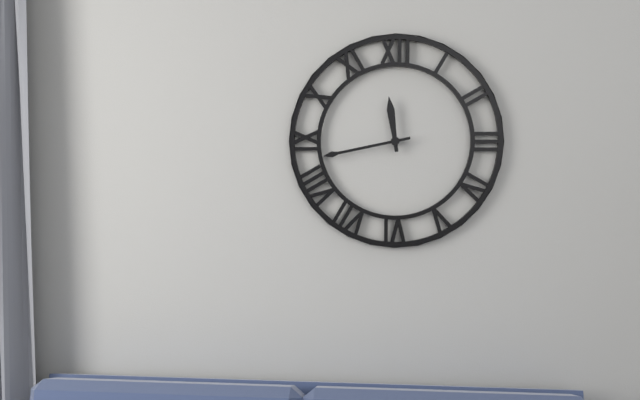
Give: 11h43
